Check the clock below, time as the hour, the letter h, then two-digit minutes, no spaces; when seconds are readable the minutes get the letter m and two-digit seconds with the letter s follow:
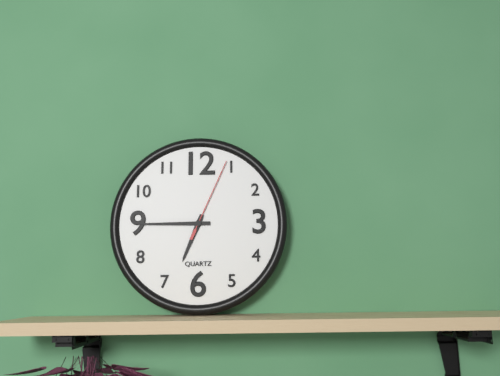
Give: 6h45m04s
